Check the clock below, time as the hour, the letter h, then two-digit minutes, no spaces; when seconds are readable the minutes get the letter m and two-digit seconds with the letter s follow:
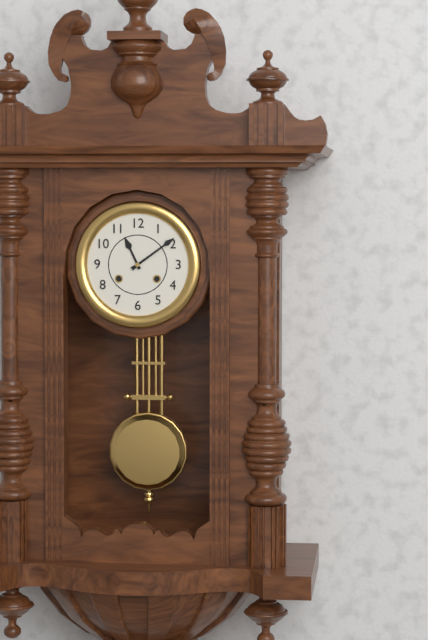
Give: 11h09
